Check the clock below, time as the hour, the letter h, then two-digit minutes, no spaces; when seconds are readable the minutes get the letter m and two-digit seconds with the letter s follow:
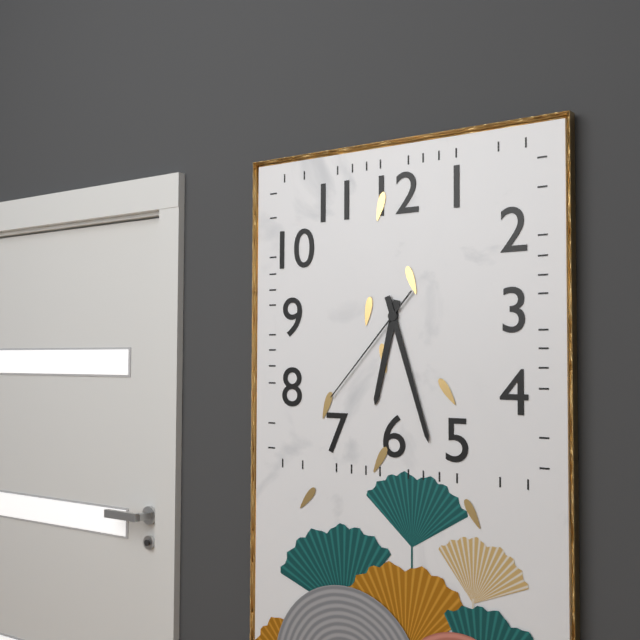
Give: 6h27m37s
